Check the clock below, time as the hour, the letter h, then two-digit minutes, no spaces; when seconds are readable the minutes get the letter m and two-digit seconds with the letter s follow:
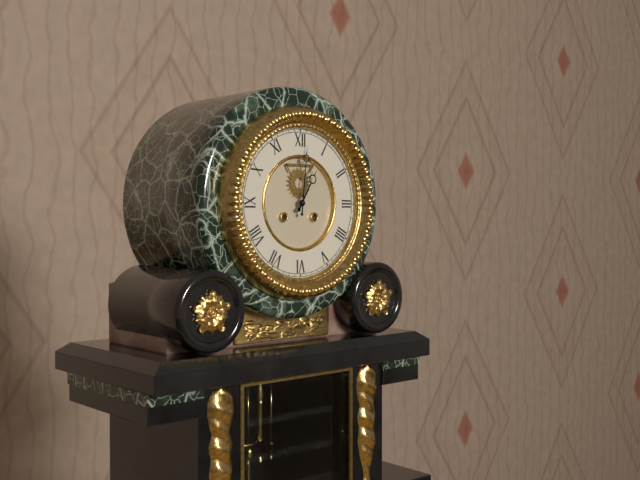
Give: 1h01
